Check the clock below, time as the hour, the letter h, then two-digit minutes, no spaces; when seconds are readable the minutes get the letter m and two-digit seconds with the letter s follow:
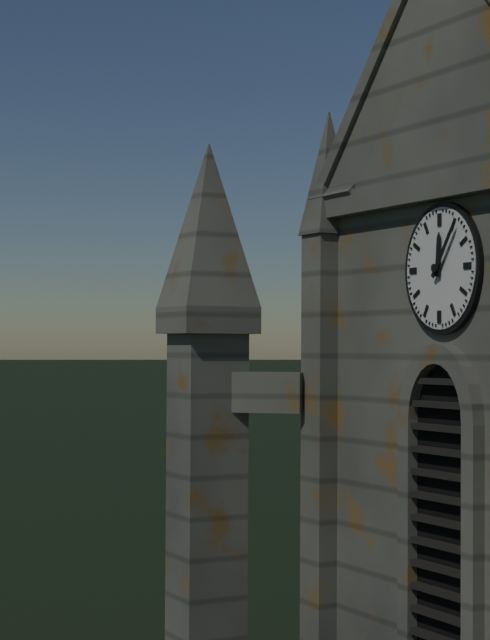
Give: 12h06
